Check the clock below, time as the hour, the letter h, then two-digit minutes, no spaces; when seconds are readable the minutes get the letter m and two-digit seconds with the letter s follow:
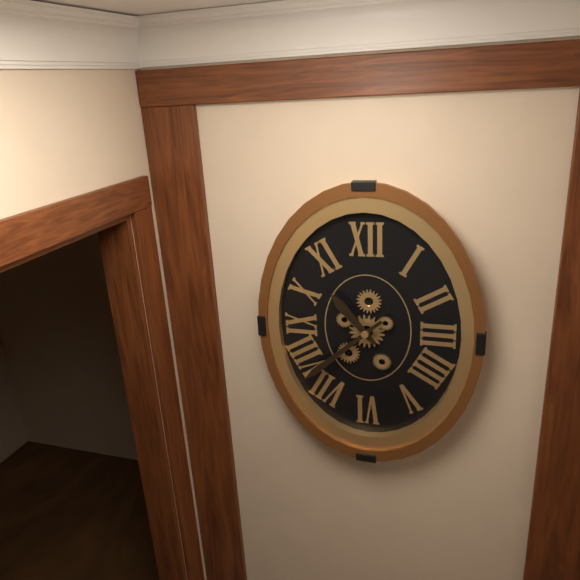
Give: 10h38
